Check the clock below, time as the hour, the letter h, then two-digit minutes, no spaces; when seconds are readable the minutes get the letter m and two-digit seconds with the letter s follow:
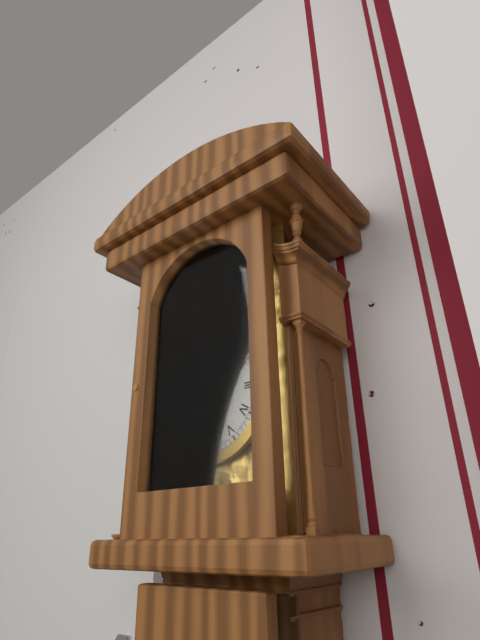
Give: 11h56
